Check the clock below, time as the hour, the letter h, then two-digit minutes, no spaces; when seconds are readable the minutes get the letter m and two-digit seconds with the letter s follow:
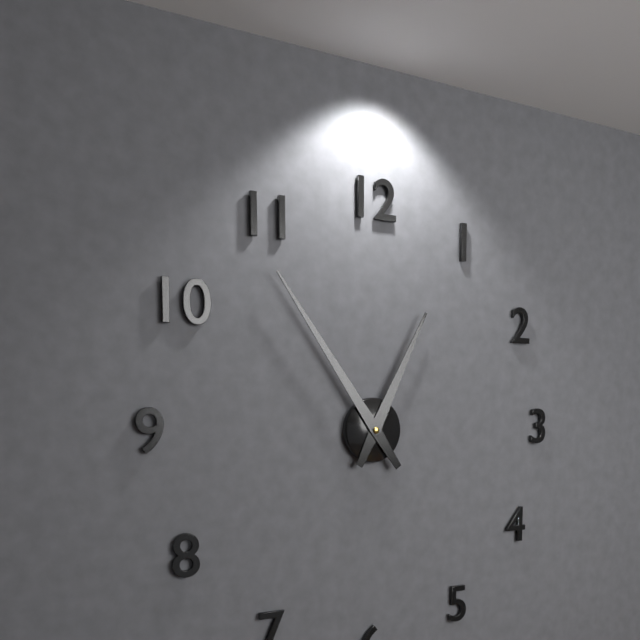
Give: 12h54
